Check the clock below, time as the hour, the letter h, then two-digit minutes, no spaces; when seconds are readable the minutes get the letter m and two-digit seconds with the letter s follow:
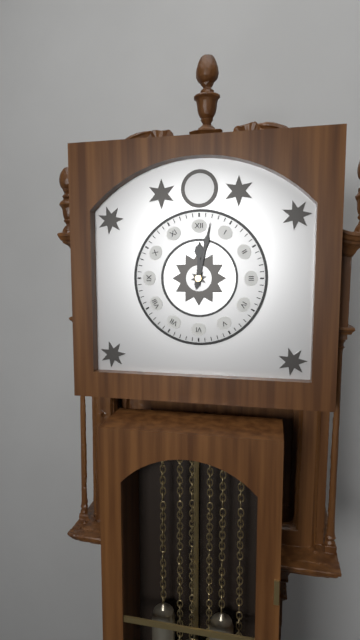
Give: 12h02
